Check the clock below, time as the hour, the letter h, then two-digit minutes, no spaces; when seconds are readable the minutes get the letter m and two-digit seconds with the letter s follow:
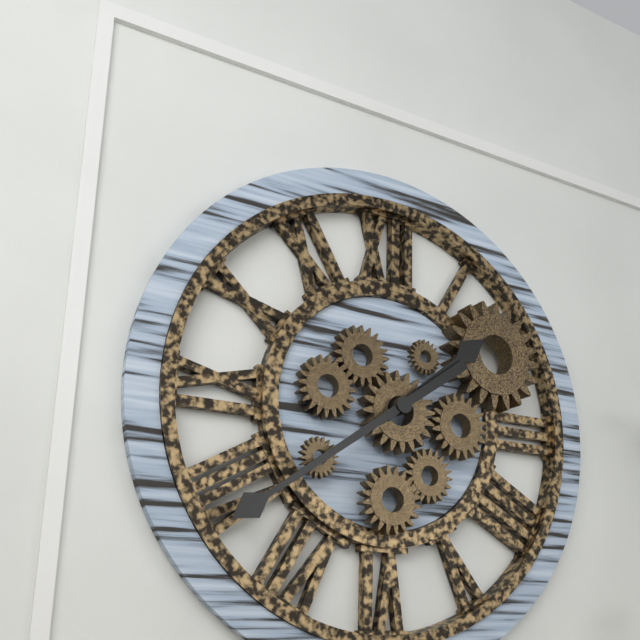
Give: 1h39
